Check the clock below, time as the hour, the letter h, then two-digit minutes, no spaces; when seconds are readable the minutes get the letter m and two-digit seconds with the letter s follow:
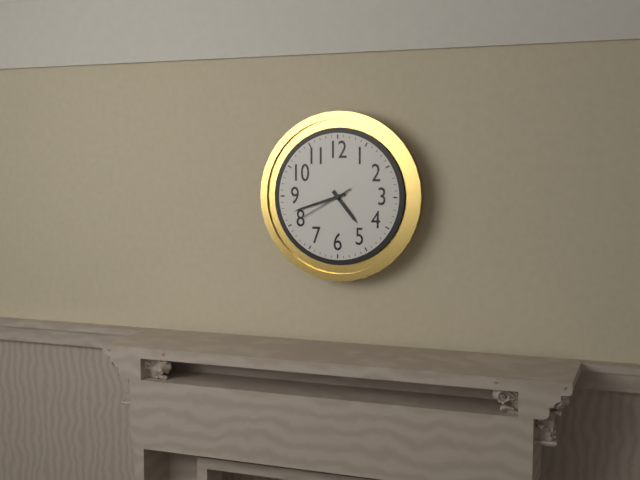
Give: 4h42m40s
